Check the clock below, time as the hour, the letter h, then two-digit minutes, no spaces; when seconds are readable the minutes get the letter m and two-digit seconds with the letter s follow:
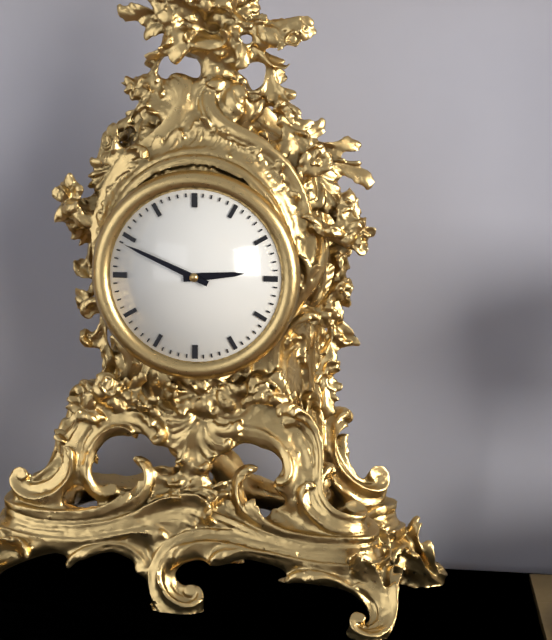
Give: 2h49
